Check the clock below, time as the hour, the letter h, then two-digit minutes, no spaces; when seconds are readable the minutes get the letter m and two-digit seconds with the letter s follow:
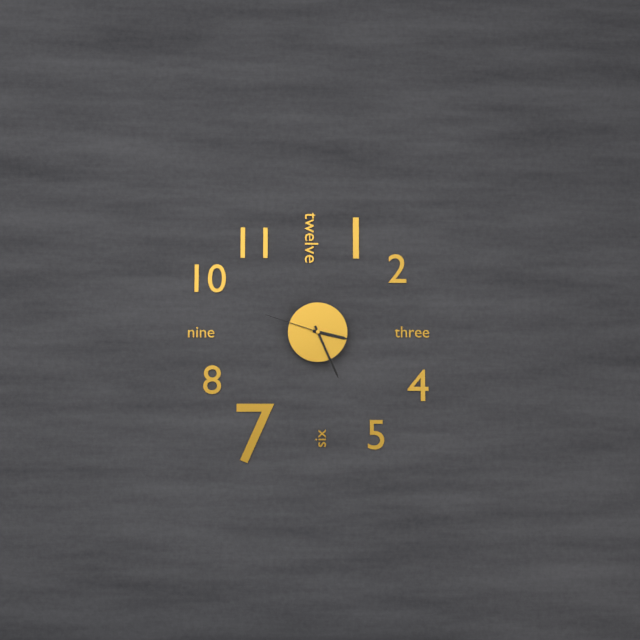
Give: 3h26m48s
